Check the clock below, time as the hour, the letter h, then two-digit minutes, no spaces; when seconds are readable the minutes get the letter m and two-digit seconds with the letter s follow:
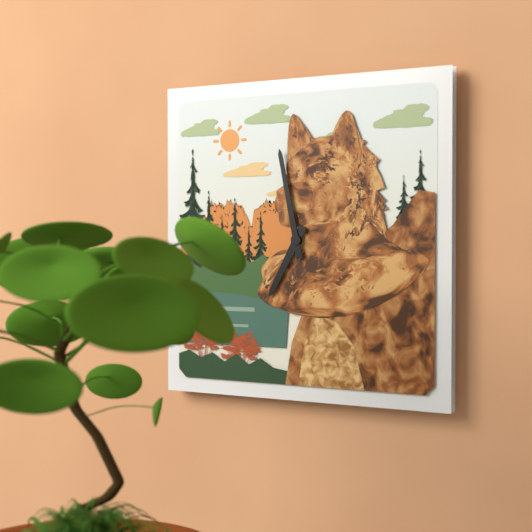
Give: 6h58
